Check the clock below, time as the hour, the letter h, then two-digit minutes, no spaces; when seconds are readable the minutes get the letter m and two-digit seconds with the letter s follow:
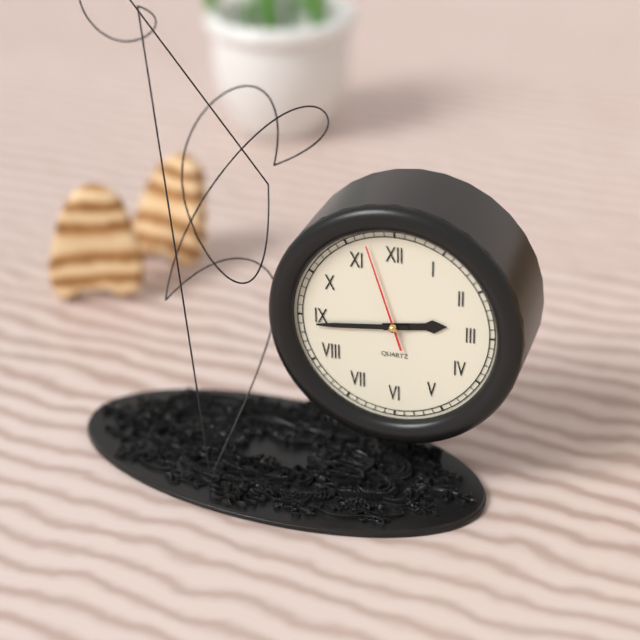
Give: 2h44m57s
